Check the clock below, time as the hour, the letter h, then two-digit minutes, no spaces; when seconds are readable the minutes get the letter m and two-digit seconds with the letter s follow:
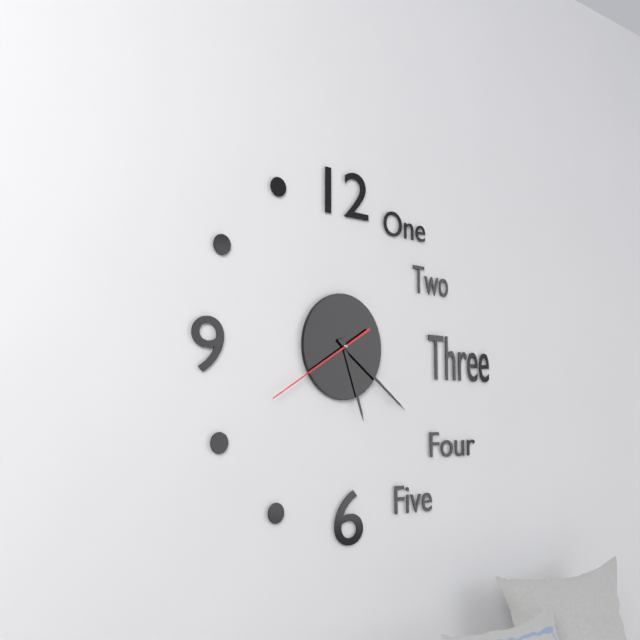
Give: 5h21m40s
